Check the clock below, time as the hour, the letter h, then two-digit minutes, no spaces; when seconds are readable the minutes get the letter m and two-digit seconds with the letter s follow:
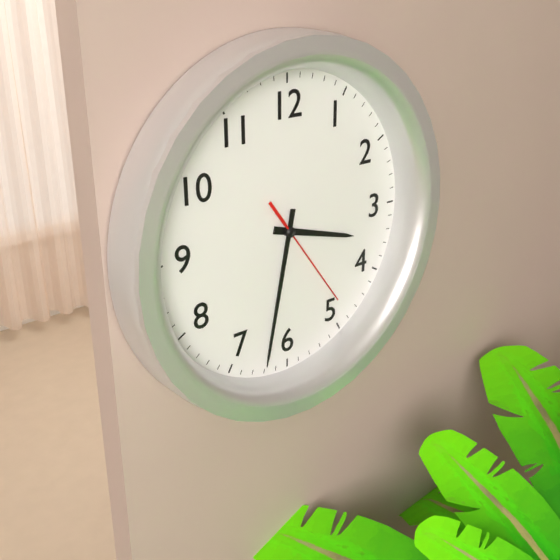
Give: 3h32m24s
